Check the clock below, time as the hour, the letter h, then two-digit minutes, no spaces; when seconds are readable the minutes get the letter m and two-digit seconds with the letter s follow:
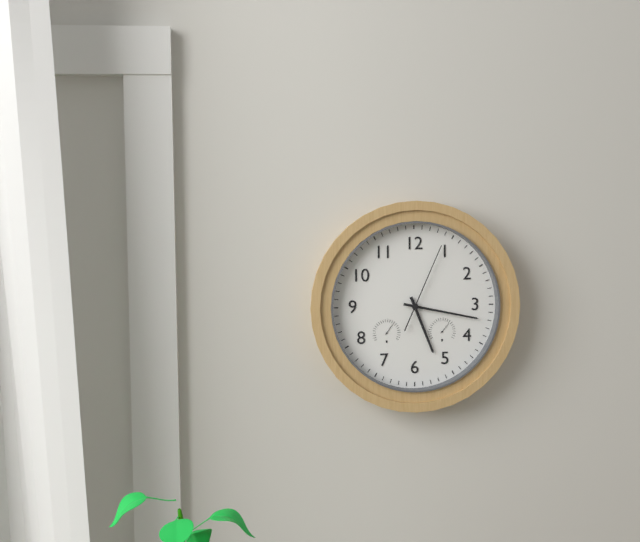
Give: 5h17m04s
